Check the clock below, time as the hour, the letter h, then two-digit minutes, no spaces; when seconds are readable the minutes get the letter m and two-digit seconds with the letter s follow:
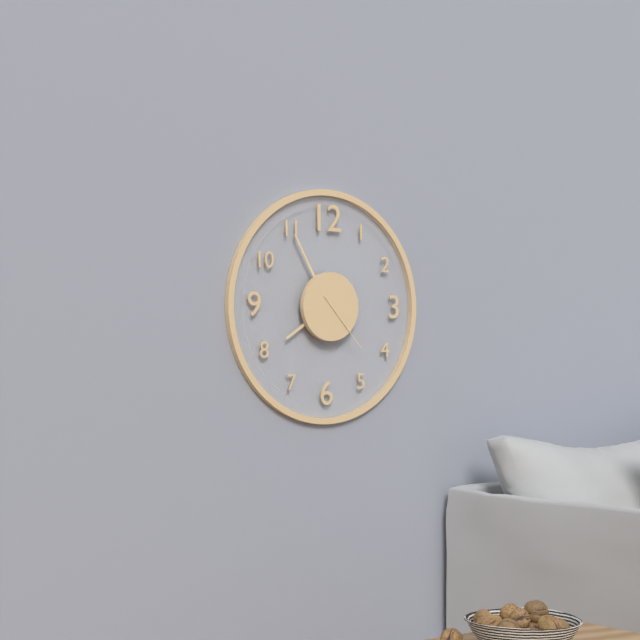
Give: 7h55m23s
